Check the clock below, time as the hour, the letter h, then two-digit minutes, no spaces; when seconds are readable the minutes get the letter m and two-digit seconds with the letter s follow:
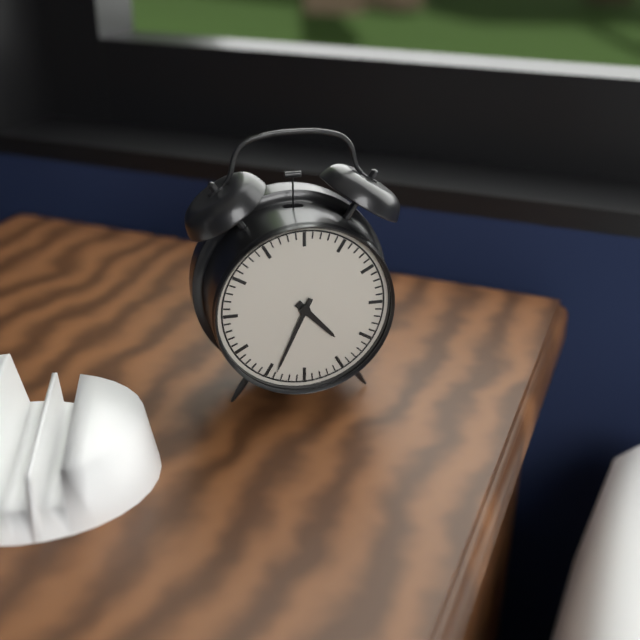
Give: 4h34
